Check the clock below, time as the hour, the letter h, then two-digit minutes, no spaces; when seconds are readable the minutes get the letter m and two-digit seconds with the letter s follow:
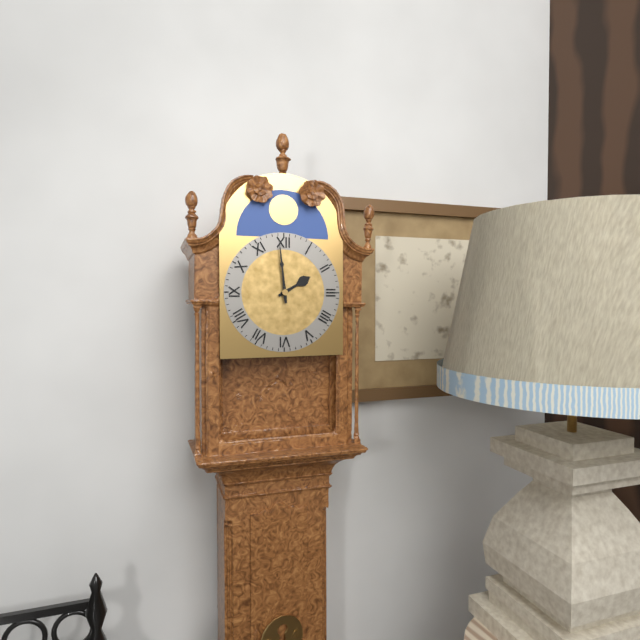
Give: 1h59
